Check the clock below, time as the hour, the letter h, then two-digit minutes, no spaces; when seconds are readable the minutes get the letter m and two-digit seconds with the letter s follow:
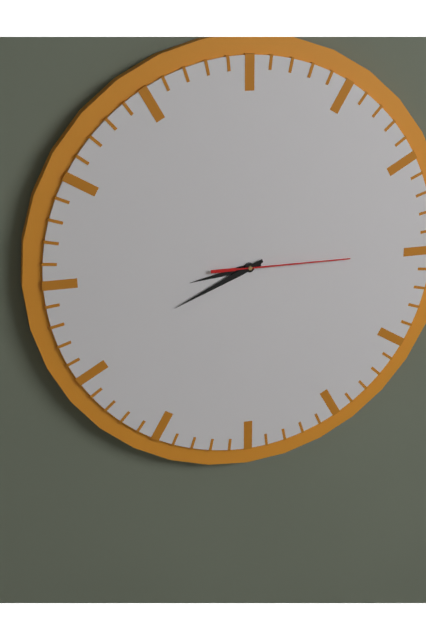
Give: 8h41m15s
